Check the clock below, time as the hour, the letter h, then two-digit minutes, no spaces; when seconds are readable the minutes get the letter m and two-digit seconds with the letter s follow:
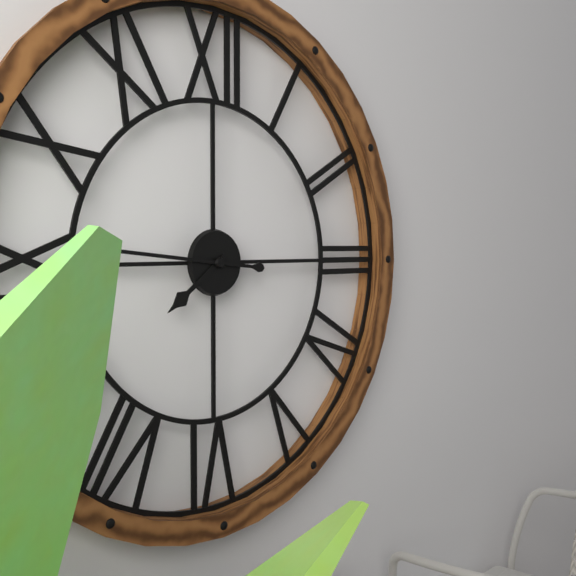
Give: 7h46
